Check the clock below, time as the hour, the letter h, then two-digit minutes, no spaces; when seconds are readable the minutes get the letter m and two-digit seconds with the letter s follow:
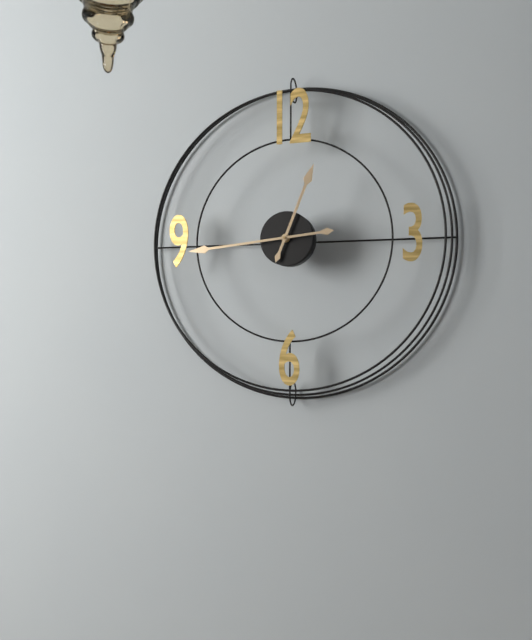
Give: 12h44
